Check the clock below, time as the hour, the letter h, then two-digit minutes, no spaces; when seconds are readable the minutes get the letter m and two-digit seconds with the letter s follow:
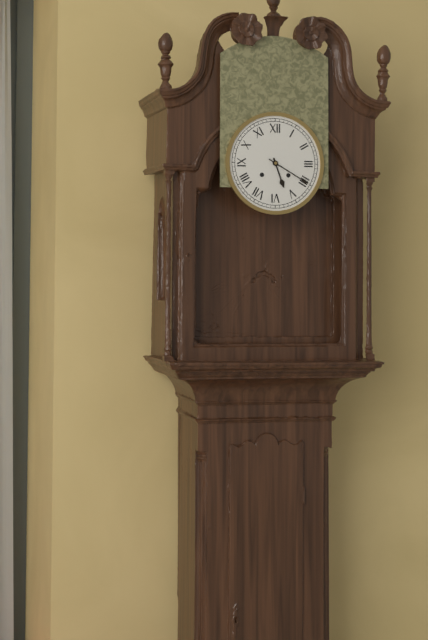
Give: 5h20
